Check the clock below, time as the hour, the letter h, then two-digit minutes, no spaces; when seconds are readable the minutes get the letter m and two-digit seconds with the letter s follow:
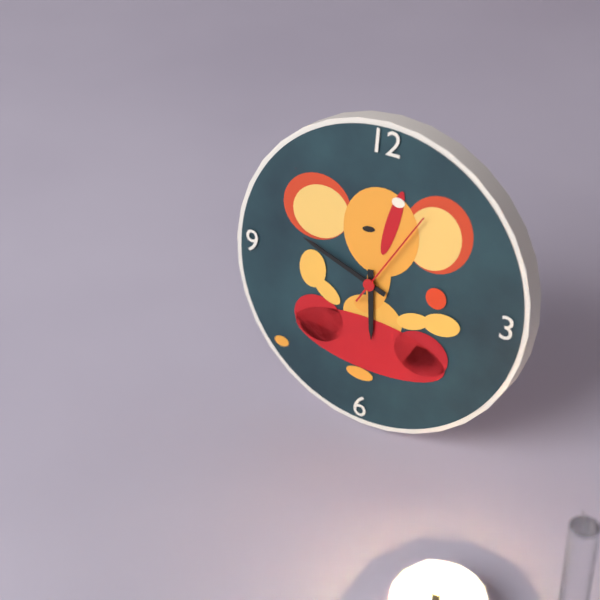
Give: 5h48m05s
